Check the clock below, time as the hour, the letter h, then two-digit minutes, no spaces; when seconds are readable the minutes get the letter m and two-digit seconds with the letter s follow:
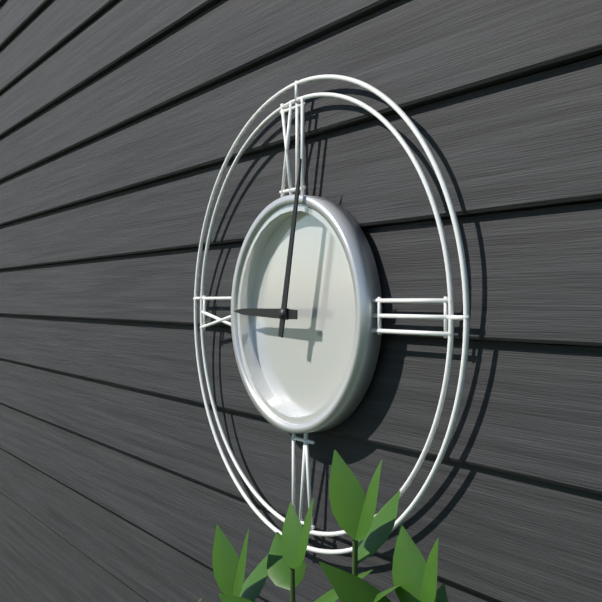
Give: 9h02
